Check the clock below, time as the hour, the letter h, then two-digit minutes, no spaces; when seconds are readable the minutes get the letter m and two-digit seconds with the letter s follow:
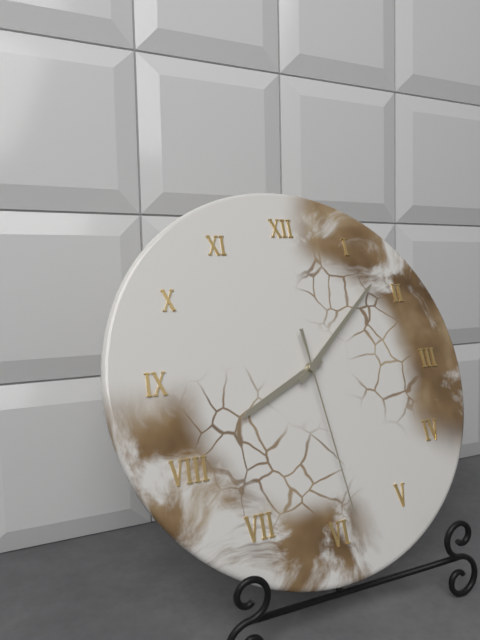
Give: 8h08m29s
